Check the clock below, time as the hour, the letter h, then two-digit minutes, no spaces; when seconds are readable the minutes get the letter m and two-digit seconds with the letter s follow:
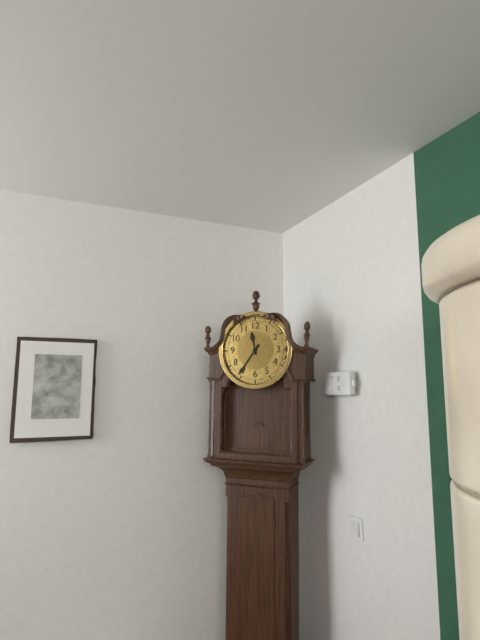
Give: 11h36
